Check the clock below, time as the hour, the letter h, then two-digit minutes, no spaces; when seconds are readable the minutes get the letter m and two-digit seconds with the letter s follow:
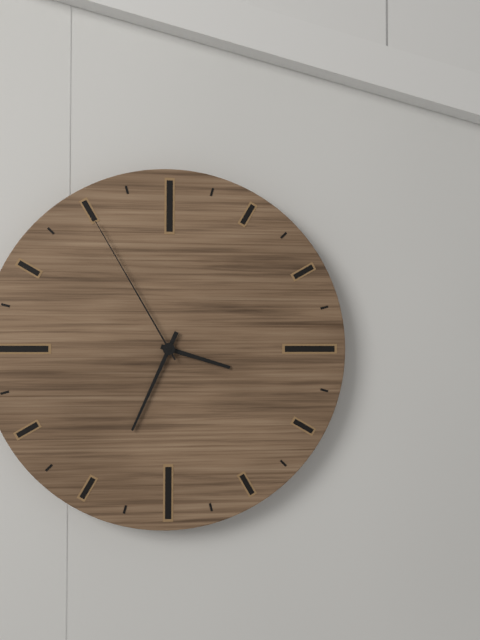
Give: 3h34m55s
